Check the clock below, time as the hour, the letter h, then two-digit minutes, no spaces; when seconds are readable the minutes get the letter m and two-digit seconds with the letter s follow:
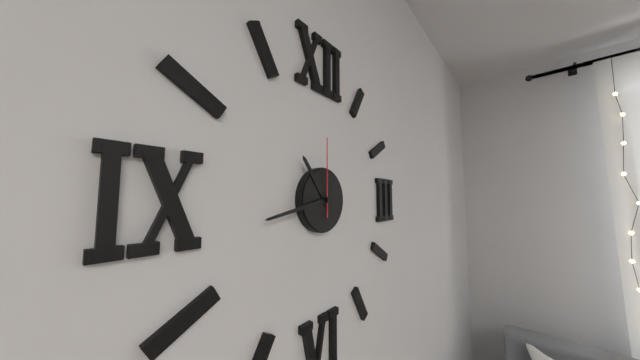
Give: 10h43m00s
